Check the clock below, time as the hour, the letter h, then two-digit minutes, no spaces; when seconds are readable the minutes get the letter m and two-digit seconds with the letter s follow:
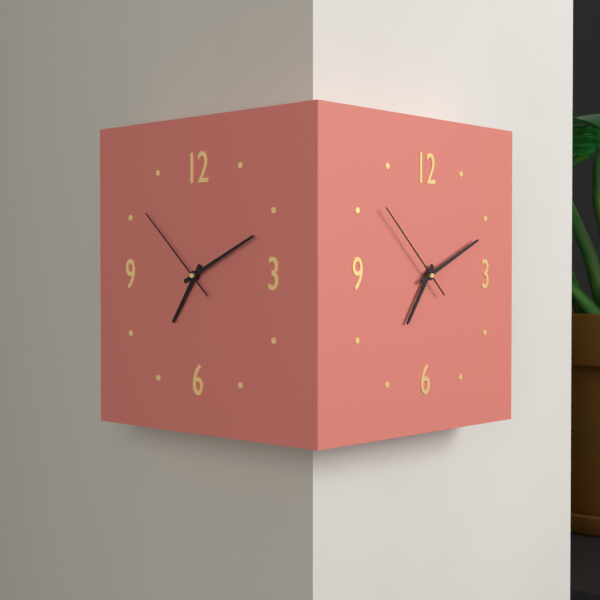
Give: 7h11m52s
